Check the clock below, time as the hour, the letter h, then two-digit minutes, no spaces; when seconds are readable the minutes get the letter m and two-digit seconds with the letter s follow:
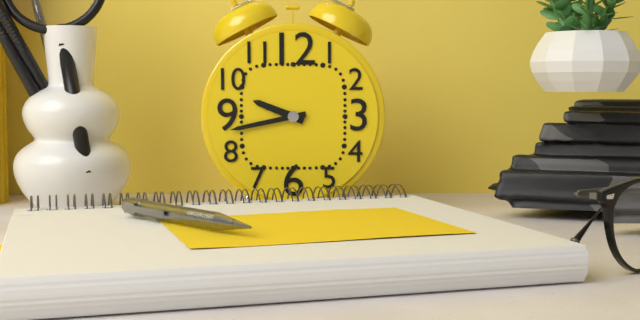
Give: 9h43
